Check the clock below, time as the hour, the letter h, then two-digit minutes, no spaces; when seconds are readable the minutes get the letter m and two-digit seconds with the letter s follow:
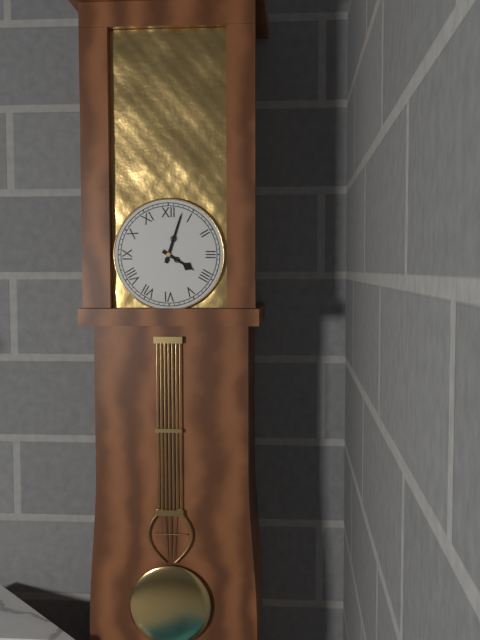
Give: 4h03
